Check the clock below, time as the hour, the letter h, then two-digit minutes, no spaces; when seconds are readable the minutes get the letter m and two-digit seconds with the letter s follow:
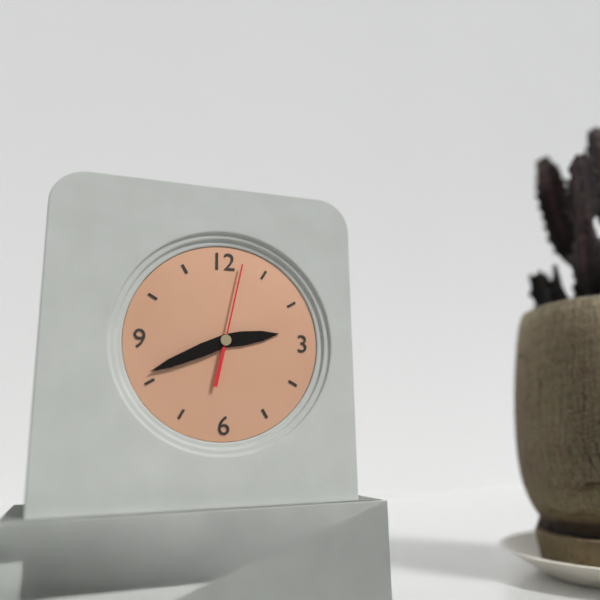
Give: 2h41m02s
